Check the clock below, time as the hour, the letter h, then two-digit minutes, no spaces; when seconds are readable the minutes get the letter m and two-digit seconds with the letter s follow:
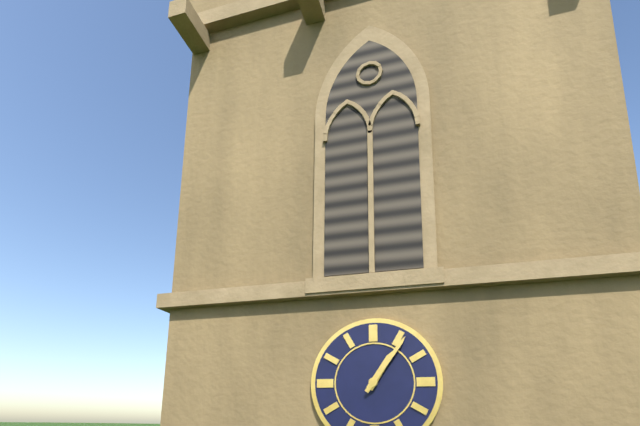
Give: 1h06
